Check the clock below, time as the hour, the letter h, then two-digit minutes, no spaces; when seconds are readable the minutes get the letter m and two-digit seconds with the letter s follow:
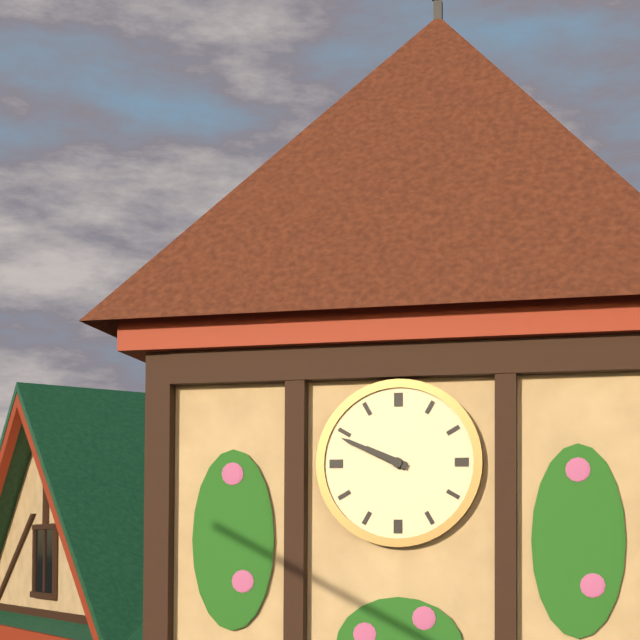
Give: 9h49
